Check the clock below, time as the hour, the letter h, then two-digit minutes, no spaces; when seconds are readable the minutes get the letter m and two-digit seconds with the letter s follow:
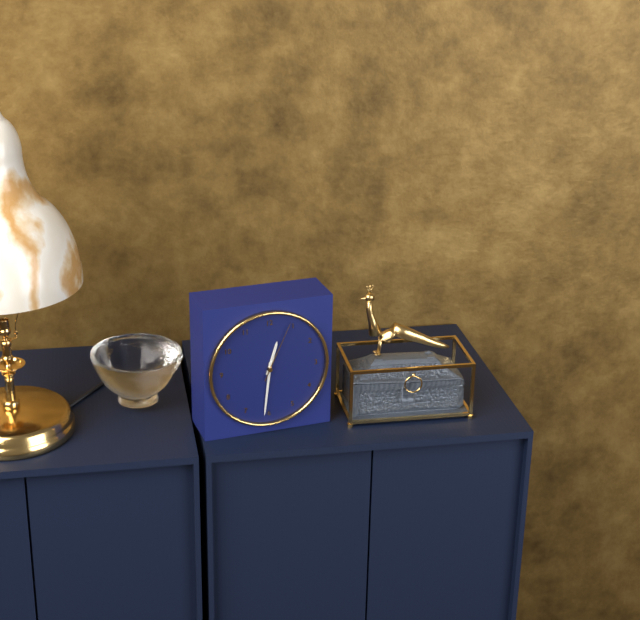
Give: 12h31m04s
